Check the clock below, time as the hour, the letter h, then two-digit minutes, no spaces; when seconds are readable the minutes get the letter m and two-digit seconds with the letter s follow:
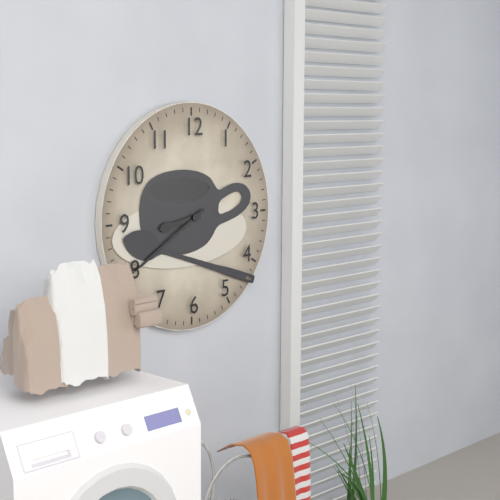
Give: 8h40
